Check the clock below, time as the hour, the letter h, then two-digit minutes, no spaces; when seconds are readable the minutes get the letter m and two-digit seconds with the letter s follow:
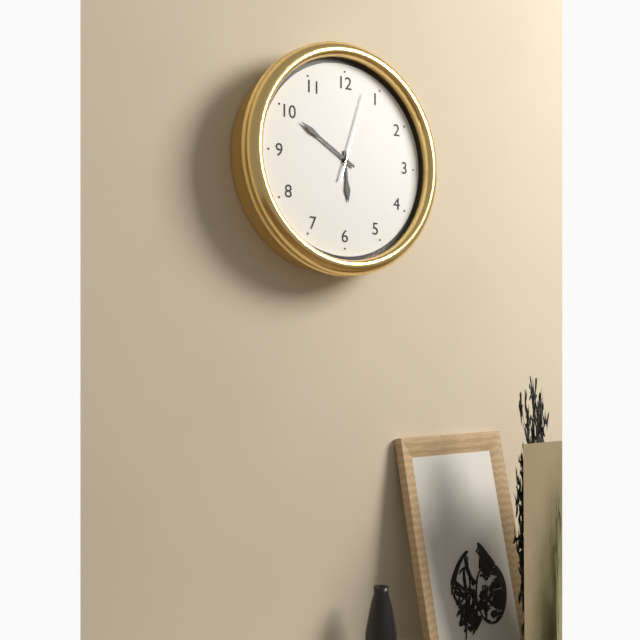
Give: 5h50m03s
